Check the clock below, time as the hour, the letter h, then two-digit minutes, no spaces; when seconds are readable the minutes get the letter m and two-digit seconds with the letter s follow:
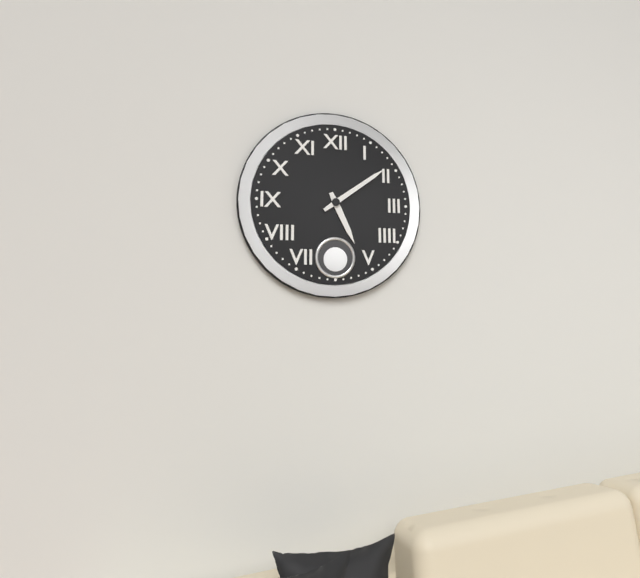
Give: 5h09
